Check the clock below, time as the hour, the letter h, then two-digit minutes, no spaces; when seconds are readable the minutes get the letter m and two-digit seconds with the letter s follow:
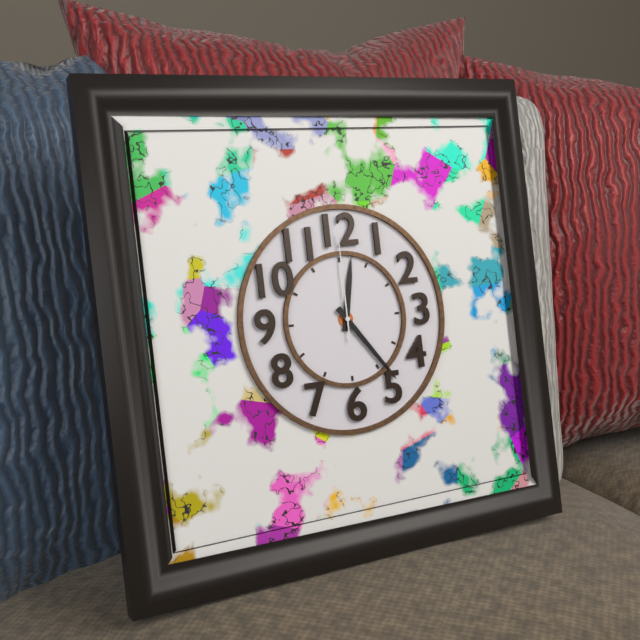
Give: 12h24m00s
